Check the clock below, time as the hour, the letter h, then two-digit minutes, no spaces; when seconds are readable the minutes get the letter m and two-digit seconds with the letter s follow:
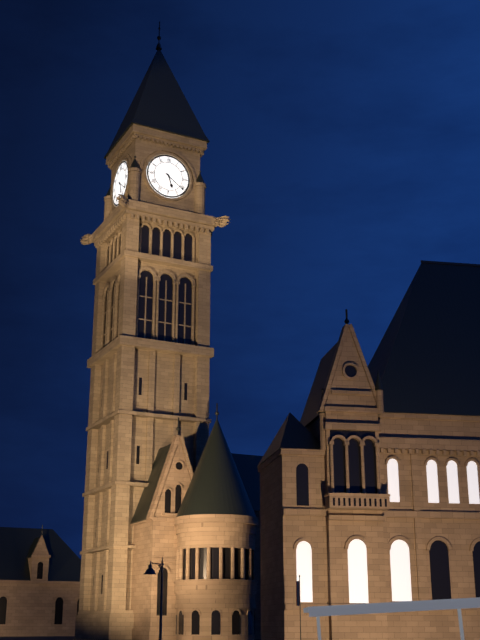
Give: 5h21
